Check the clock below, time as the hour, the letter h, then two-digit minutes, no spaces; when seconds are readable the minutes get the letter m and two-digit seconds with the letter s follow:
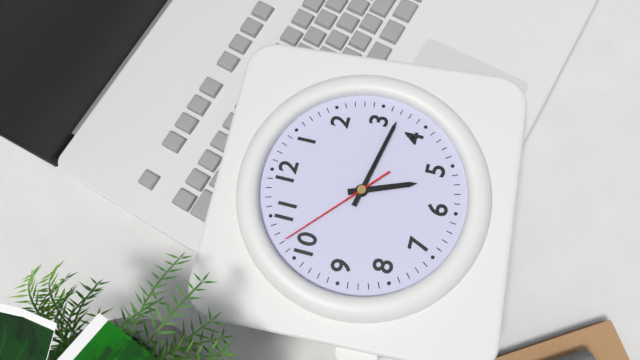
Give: 5h17m52s
